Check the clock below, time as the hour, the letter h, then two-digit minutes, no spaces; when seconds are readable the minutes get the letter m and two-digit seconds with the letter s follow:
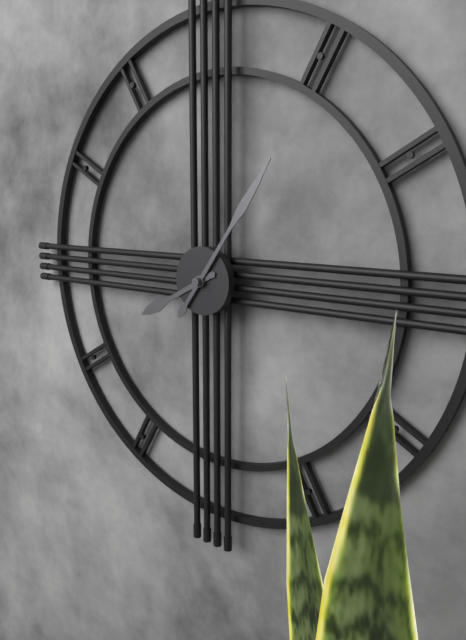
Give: 8h06
